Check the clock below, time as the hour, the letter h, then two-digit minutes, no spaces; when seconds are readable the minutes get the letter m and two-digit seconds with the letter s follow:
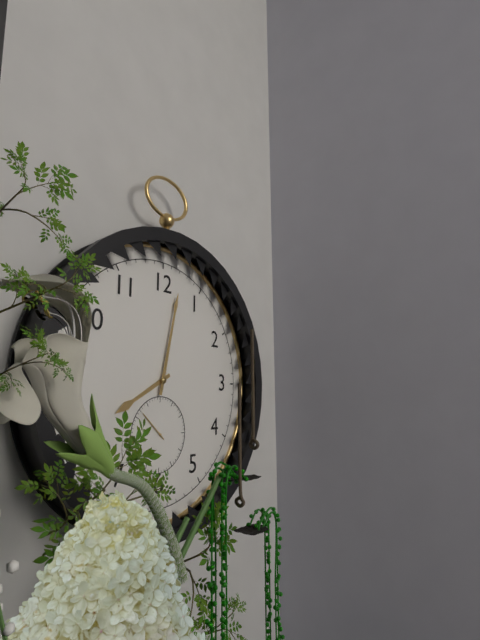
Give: 8h02
